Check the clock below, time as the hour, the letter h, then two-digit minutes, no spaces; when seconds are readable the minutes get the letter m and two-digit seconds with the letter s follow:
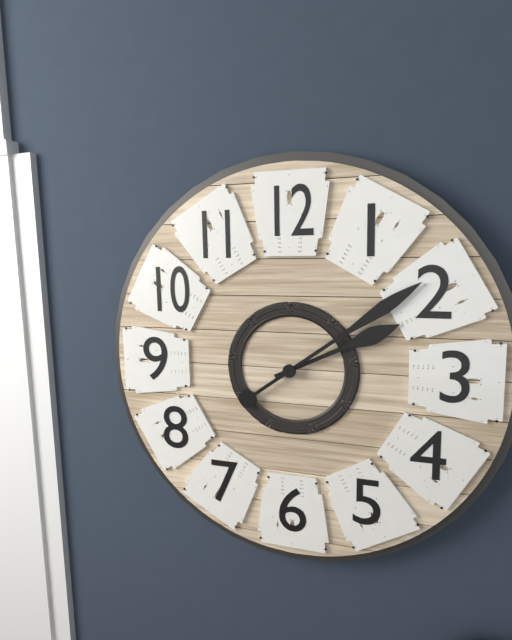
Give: 2h09
